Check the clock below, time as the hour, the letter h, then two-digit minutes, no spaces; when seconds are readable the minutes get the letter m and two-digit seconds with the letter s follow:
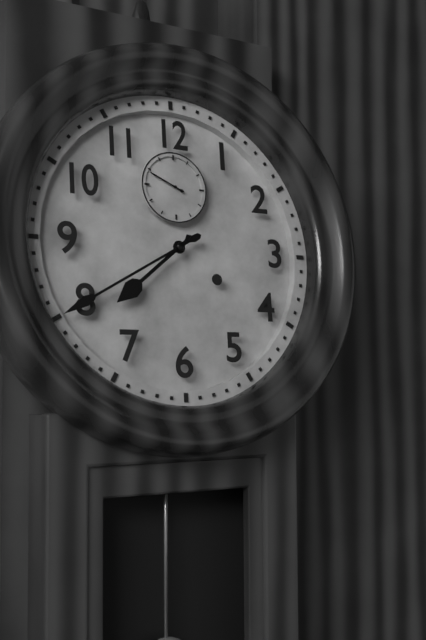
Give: 7h40
